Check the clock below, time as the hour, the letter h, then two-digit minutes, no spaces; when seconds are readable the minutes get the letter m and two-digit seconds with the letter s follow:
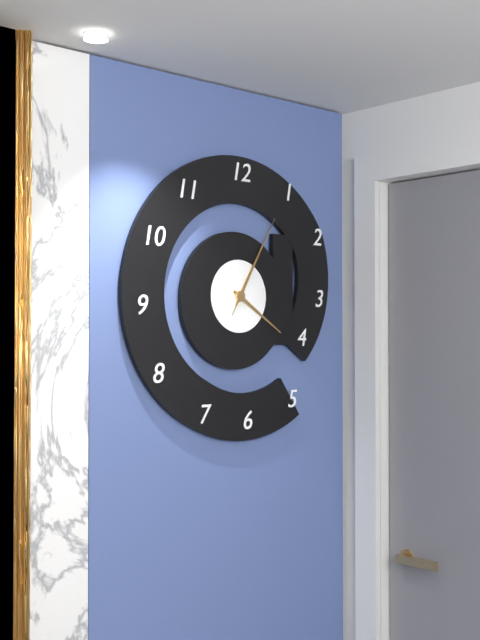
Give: 4h05m05s
